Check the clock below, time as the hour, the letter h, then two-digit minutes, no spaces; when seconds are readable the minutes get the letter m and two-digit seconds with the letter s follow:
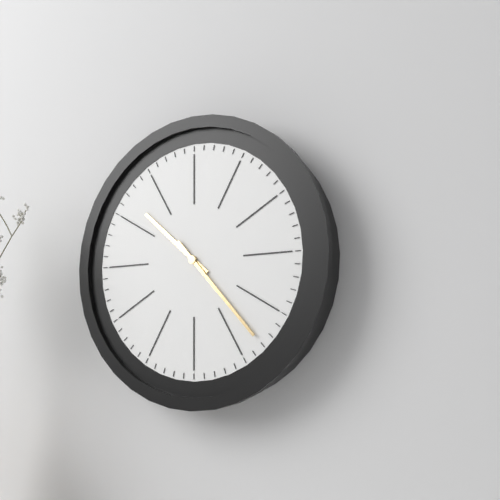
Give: 10h23
